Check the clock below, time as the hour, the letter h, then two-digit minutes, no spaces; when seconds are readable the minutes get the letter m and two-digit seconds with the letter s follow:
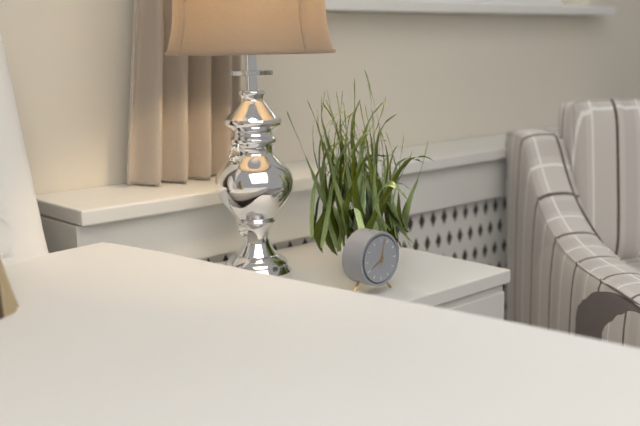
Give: 8h02
